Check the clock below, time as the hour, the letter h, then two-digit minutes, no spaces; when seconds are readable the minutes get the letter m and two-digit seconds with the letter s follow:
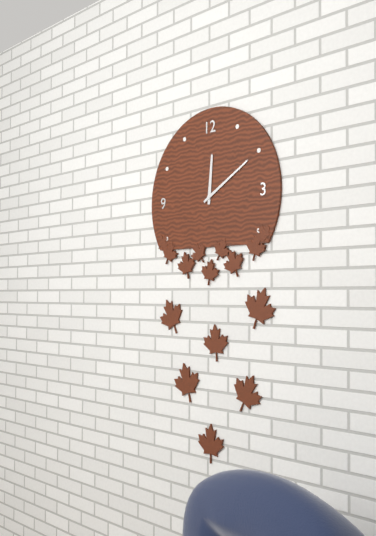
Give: 12h10
